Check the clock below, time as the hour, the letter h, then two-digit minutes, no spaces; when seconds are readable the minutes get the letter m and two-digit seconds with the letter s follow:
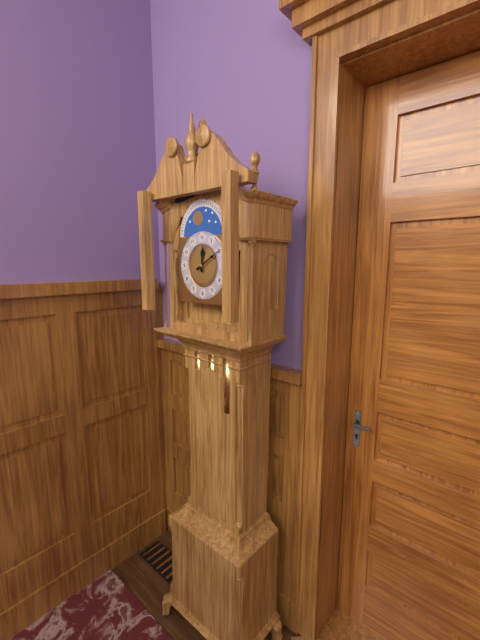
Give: 12h10
